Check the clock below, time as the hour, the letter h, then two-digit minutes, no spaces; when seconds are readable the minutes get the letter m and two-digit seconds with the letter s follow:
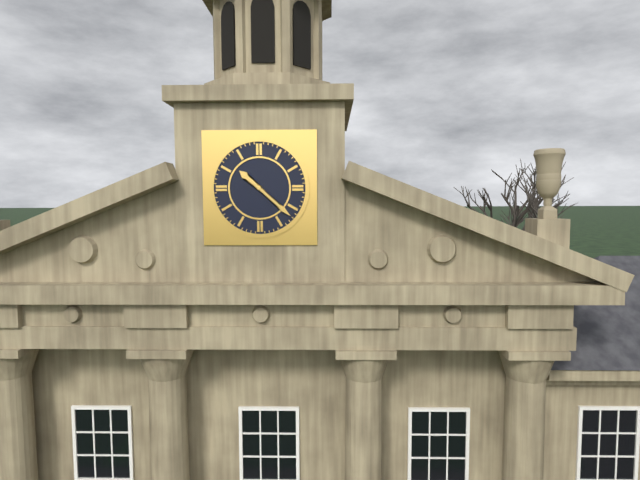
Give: 10h22
